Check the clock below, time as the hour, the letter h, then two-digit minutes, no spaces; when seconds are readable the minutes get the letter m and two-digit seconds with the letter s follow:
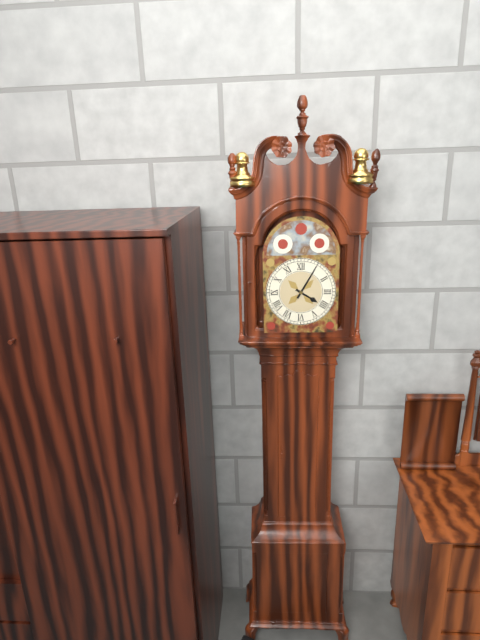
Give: 4h05
